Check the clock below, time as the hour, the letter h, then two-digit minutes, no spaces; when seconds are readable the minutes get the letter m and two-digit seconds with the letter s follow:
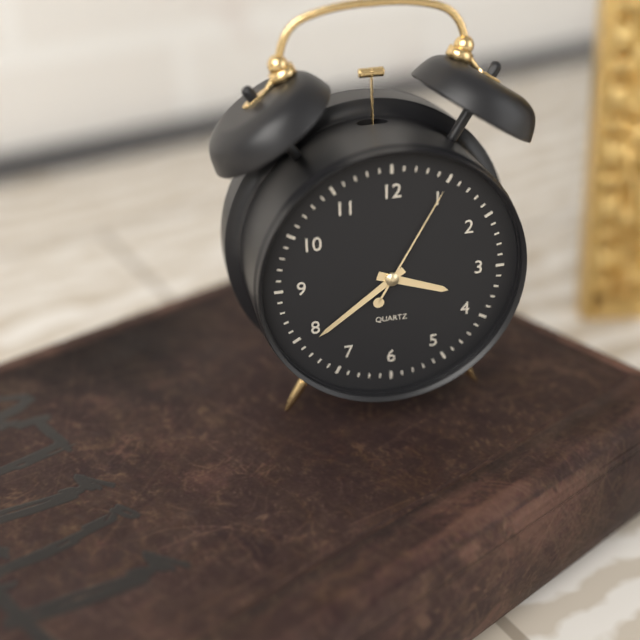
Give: 3h39m05s
